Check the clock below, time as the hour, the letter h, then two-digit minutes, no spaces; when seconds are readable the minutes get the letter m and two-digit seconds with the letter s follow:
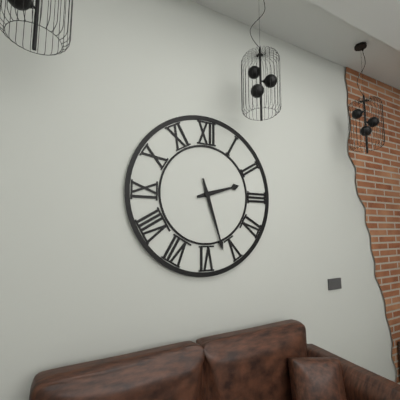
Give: 2h27
